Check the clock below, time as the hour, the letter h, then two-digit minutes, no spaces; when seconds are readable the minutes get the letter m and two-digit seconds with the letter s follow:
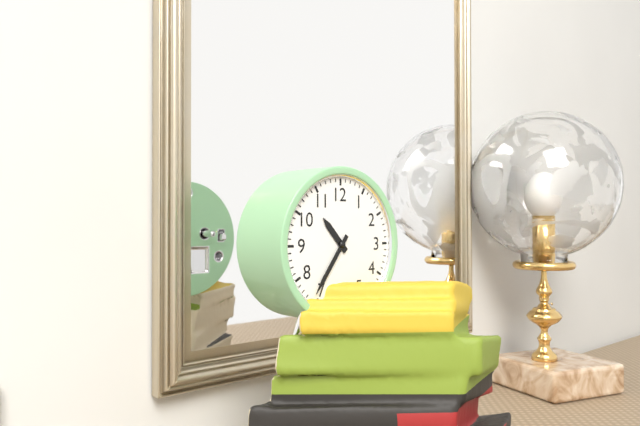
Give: 10h36
